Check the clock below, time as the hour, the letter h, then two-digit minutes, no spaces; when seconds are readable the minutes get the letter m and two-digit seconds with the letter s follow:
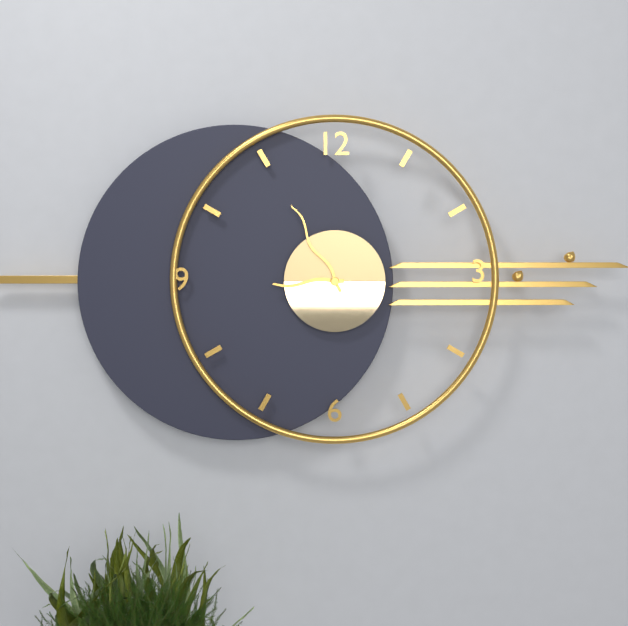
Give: 8h55
